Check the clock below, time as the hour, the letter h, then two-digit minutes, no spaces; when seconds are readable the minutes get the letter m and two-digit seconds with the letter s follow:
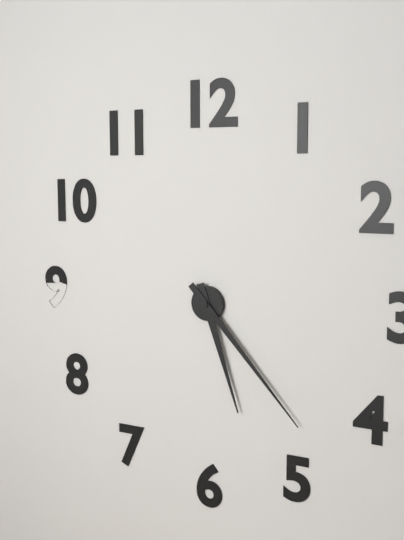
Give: 5h23
